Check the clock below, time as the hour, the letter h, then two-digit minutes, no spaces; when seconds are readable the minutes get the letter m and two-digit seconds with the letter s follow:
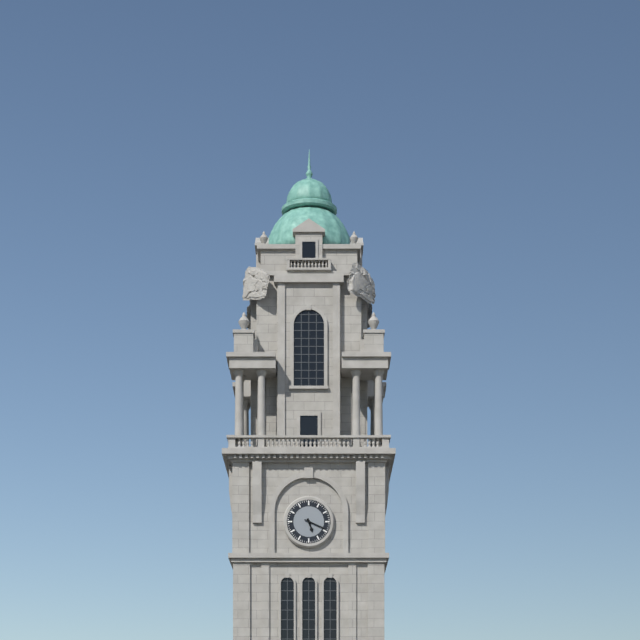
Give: 5h19
